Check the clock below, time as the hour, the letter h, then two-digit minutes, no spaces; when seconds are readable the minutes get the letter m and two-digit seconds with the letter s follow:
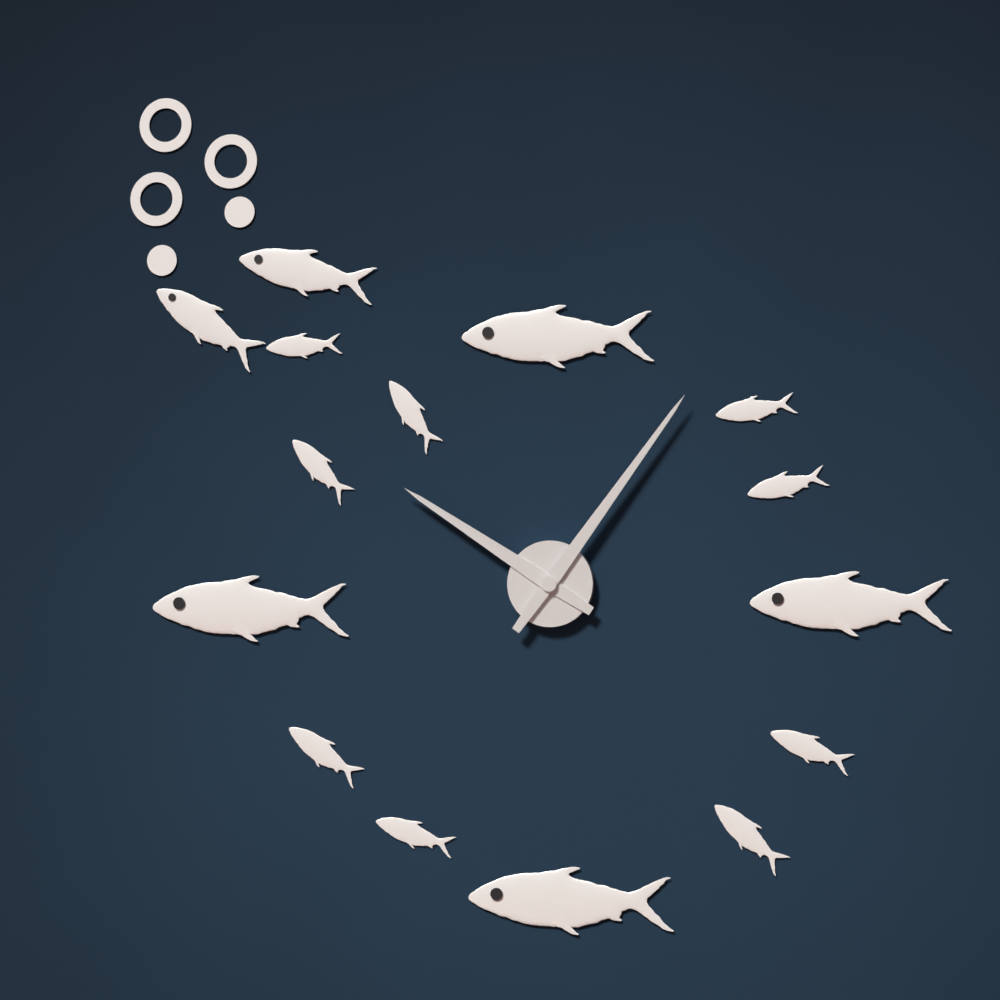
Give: 10h06
